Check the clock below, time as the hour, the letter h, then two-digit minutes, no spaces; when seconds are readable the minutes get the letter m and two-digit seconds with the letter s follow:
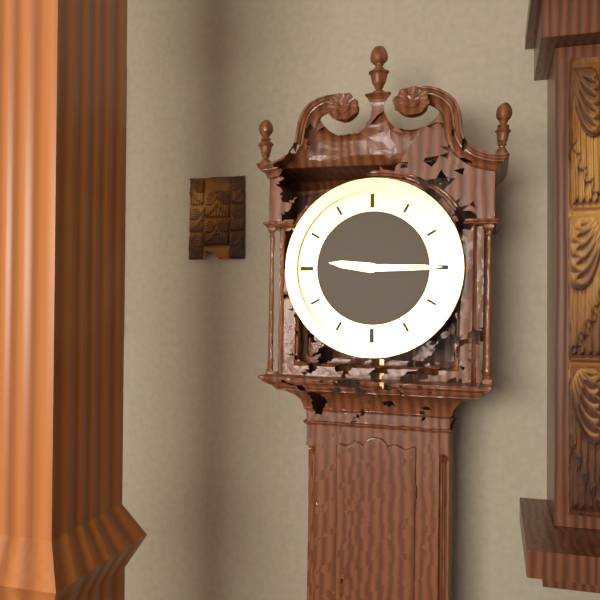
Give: 9h15
